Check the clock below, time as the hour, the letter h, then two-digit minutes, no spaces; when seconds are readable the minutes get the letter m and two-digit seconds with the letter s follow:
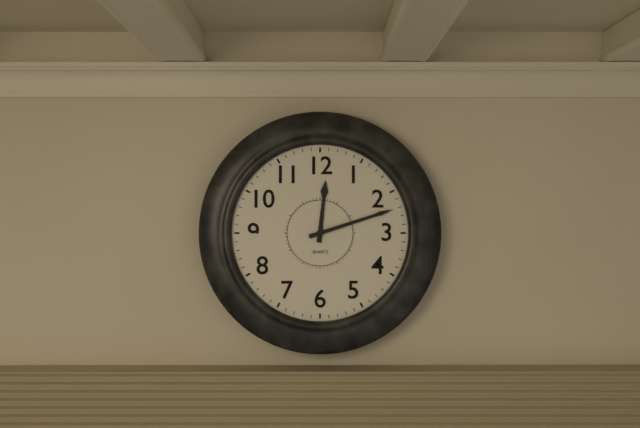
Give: 12h12
